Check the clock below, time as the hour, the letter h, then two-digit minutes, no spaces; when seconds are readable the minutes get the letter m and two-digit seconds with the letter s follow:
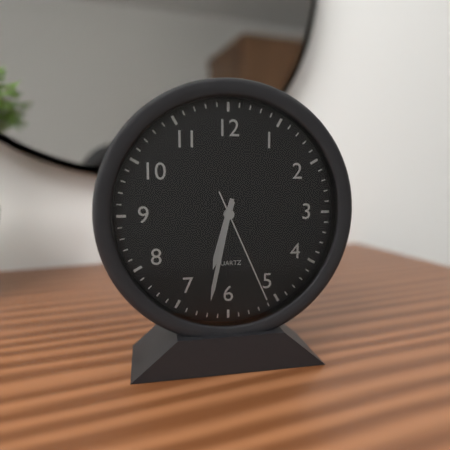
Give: 6h32m26s
